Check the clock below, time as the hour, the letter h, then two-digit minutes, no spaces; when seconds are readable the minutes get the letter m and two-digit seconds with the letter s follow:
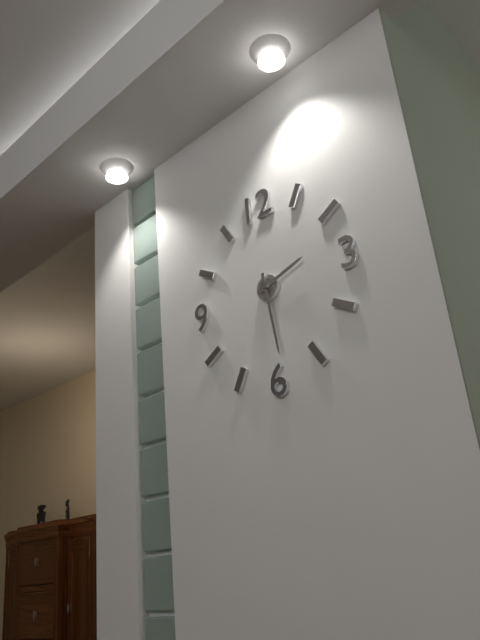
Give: 2h29
